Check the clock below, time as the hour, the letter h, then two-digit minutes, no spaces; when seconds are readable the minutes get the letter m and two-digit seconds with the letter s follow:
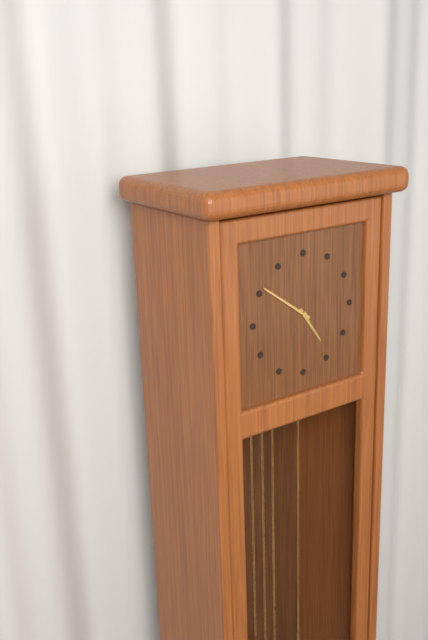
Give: 4h51
